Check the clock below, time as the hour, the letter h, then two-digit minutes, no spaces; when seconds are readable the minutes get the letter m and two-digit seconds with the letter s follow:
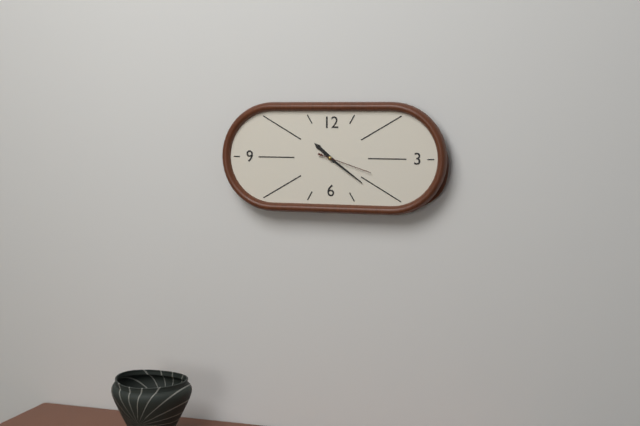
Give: 10h21m18s
